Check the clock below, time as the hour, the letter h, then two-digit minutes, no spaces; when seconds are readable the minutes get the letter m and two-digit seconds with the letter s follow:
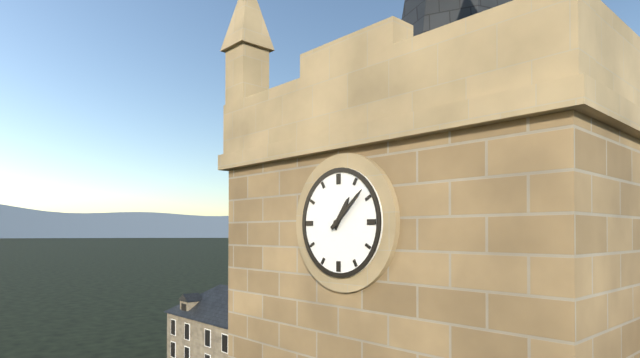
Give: 1h08
